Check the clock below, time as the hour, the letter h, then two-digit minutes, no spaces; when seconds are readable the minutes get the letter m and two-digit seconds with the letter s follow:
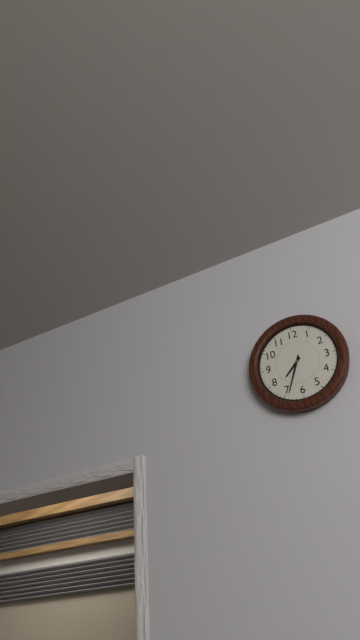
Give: 7h34
